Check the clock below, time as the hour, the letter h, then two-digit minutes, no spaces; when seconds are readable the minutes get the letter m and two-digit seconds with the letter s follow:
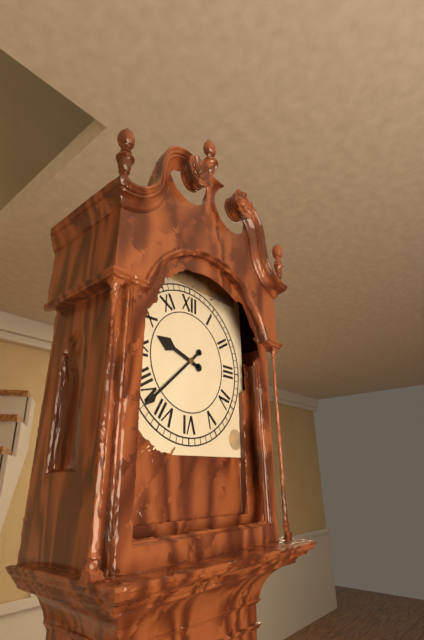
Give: 9h38
